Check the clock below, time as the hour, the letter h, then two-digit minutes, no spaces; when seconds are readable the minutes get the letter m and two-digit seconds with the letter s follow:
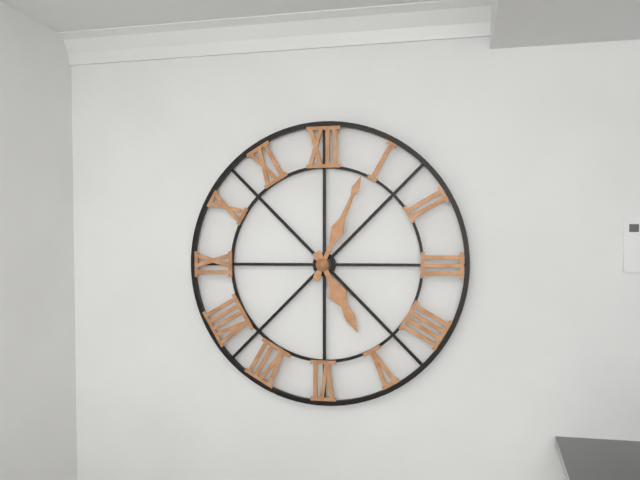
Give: 5h04
